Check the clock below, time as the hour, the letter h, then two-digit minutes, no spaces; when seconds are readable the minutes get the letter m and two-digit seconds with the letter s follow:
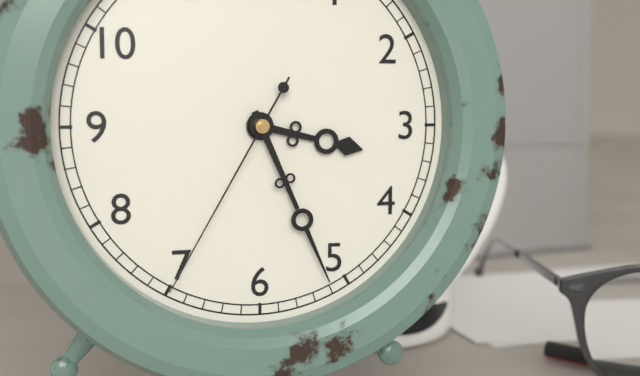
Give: 3h26m35s
